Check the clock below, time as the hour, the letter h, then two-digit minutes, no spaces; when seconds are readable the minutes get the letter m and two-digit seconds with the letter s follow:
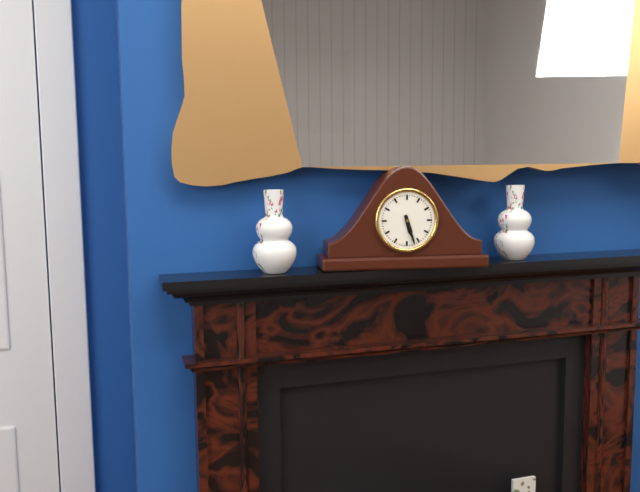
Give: 5h27
